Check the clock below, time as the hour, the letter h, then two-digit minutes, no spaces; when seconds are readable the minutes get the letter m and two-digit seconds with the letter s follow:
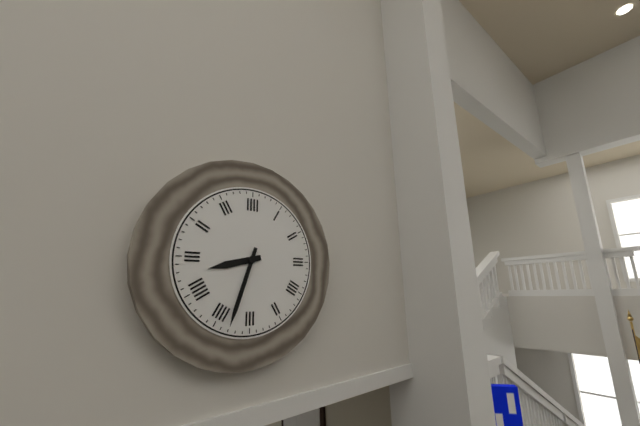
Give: 8h33
